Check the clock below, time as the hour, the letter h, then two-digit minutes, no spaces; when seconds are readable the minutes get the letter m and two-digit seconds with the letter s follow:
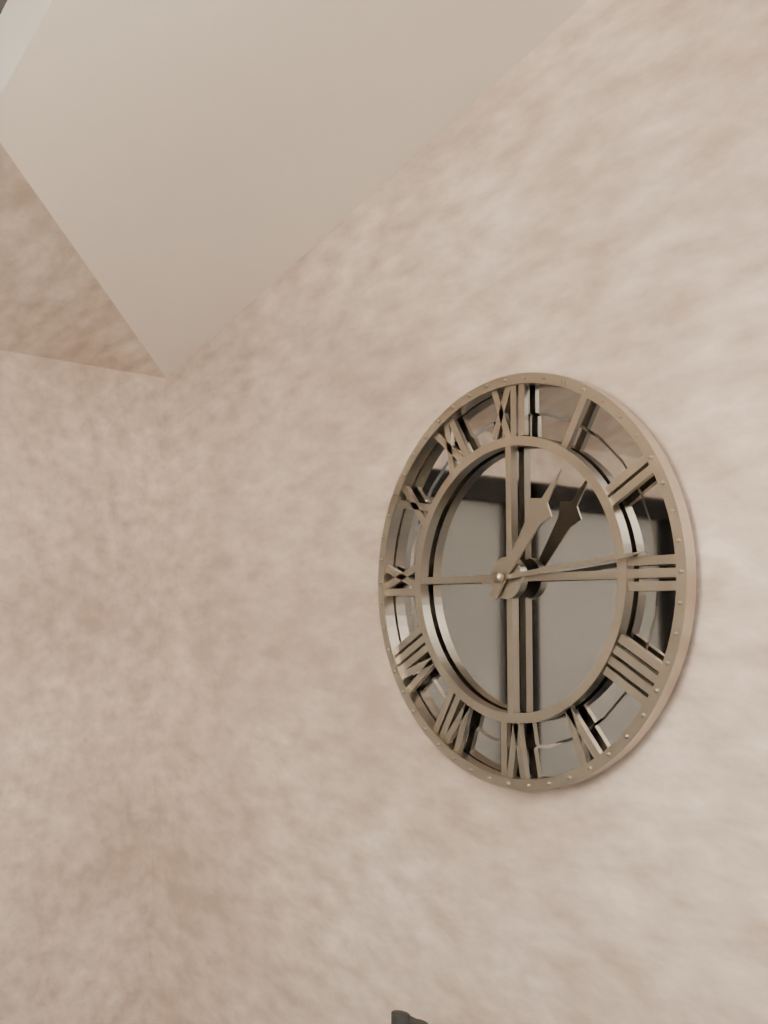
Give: 1h14
